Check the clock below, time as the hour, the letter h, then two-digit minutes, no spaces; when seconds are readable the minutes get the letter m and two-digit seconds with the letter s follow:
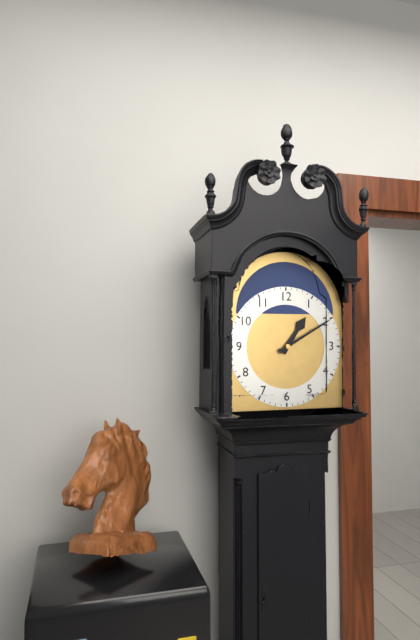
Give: 1h10
